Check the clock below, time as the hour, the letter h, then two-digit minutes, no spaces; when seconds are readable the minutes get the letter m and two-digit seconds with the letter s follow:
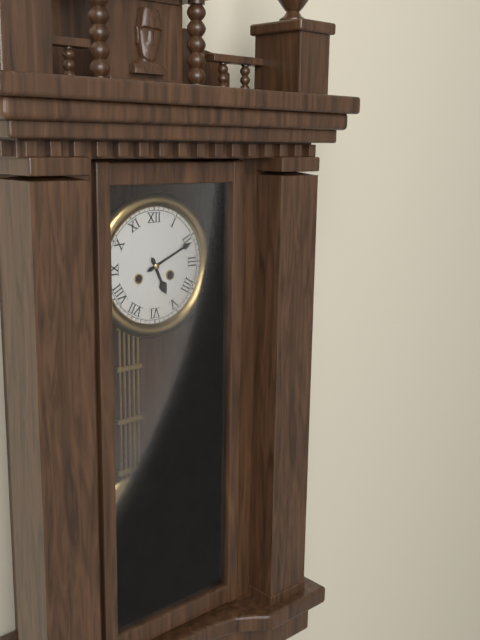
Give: 5h11
